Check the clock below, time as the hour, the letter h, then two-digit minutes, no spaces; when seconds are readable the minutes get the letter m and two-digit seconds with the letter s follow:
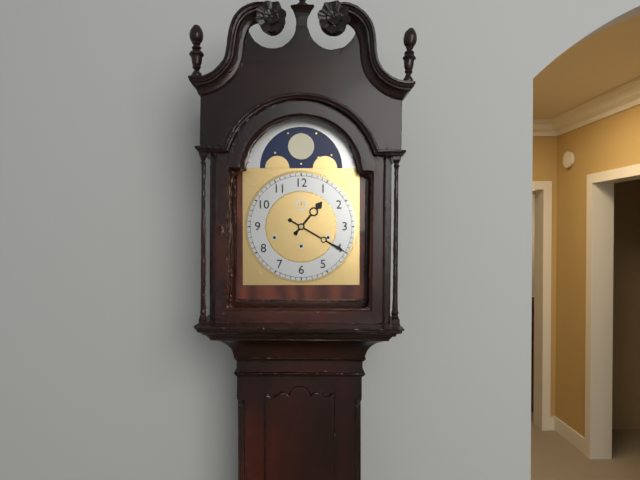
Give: 1h20
